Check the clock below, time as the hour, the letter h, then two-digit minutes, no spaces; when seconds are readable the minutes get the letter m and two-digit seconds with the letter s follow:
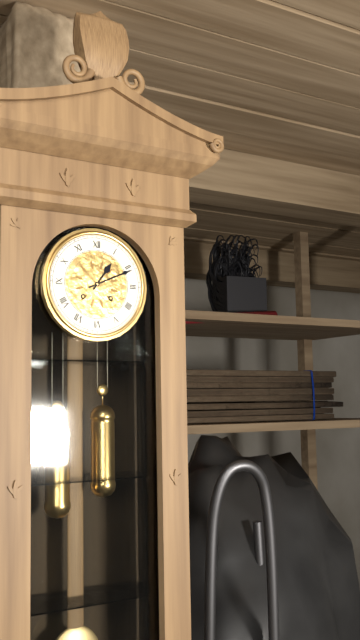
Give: 1h11
